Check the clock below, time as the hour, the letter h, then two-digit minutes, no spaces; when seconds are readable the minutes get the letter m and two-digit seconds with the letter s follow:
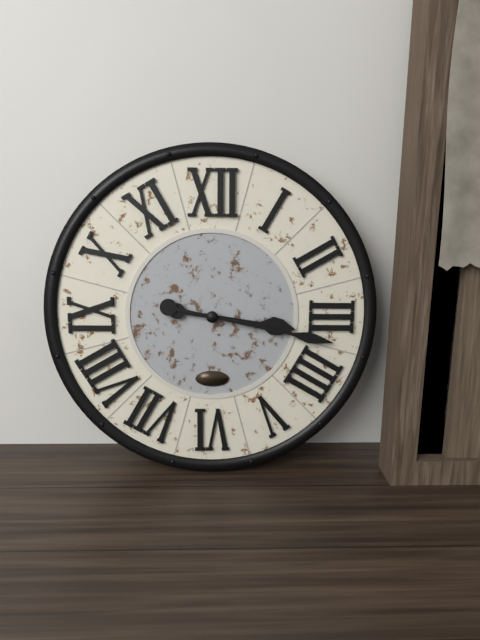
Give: 3h17
